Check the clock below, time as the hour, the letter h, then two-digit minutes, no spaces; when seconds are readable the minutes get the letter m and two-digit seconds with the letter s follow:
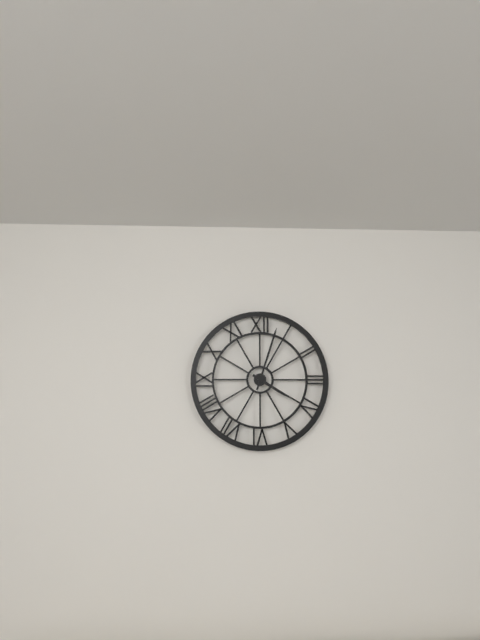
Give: 4h03
